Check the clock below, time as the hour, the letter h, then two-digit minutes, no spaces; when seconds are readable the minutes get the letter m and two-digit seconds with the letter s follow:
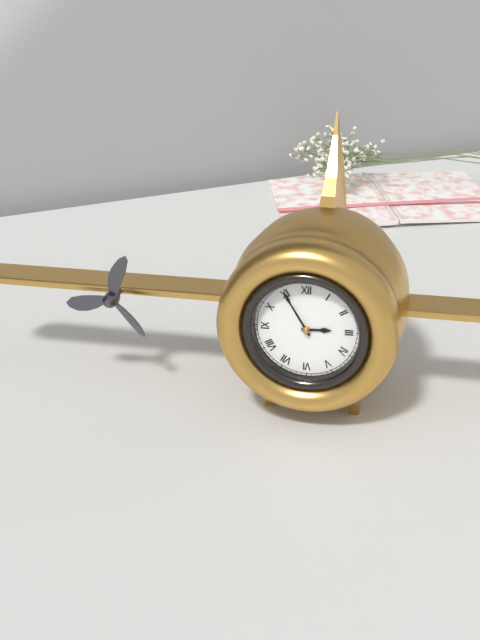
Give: 2h55
